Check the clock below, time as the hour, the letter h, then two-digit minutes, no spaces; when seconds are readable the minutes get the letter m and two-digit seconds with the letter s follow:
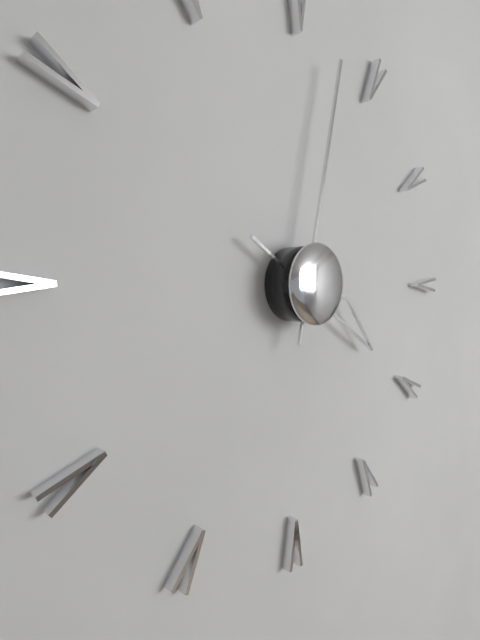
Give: 4h02
